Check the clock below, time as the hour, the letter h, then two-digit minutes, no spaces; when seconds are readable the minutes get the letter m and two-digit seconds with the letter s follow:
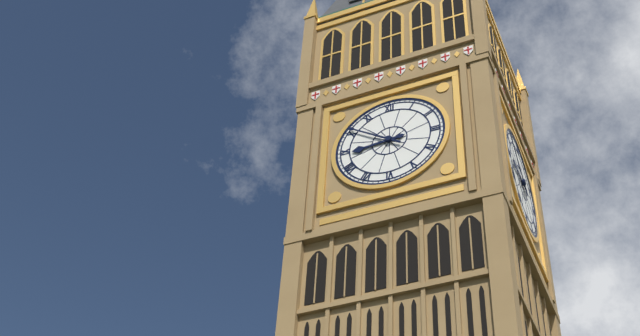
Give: 8h51
